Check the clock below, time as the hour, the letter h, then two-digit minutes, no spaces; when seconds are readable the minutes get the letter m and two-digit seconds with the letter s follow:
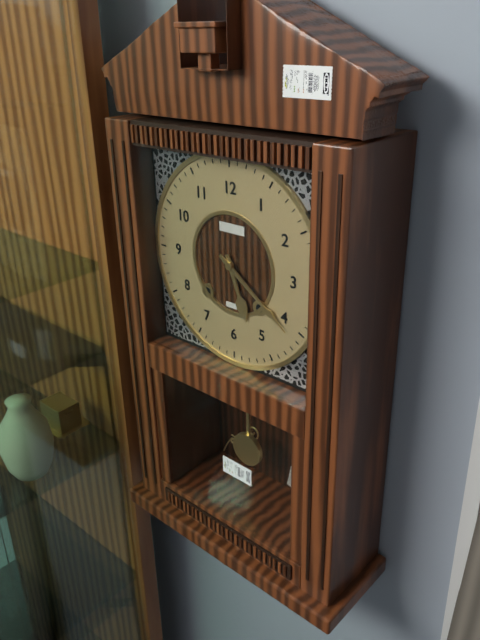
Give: 5h21
